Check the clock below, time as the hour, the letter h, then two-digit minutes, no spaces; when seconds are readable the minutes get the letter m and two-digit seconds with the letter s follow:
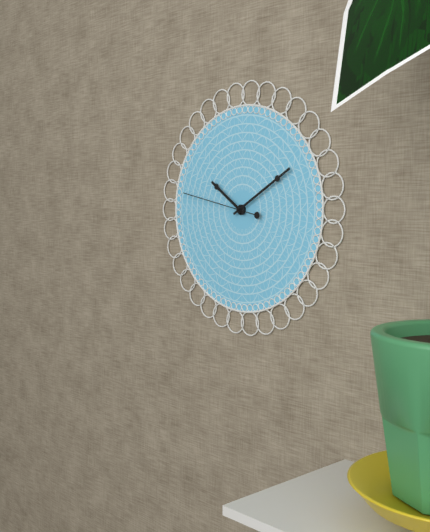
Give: 10h10m47s
